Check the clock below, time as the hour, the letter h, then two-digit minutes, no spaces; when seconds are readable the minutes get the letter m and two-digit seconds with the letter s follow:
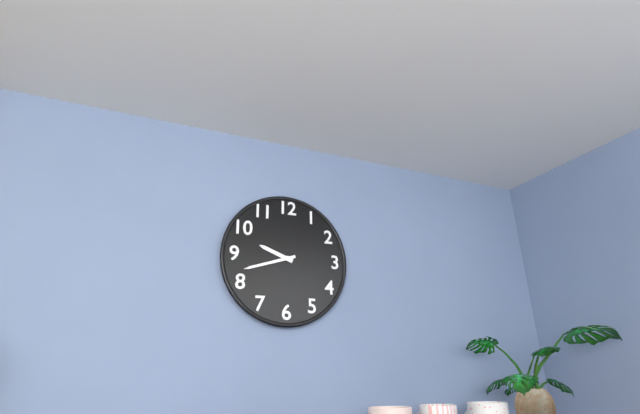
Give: 9h42
